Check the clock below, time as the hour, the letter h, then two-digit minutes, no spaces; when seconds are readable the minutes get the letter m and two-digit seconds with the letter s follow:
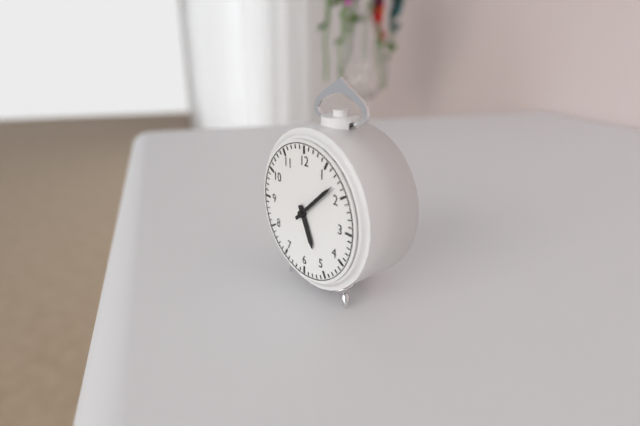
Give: 5h08
